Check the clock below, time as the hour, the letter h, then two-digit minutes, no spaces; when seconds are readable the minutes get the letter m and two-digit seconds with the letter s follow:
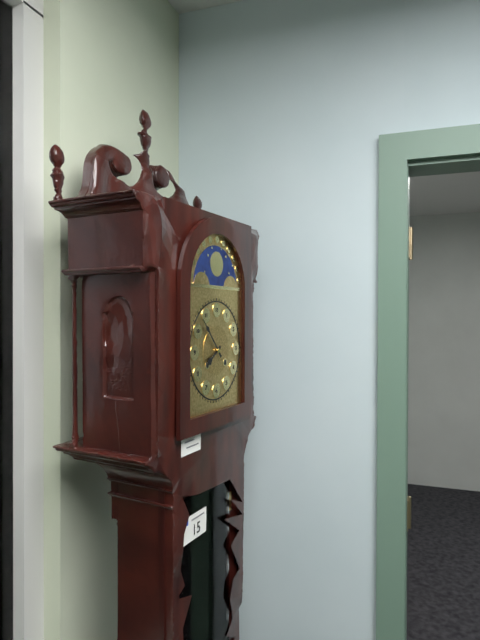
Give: 7h53
